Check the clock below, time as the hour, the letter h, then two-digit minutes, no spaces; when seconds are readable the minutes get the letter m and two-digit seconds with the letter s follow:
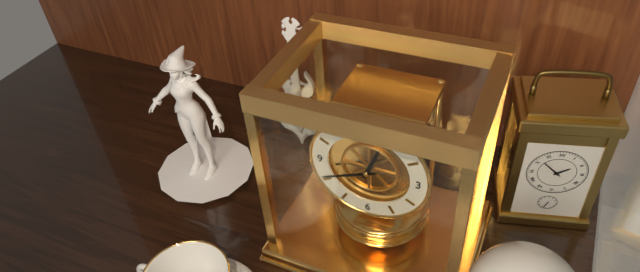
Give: 12h41
